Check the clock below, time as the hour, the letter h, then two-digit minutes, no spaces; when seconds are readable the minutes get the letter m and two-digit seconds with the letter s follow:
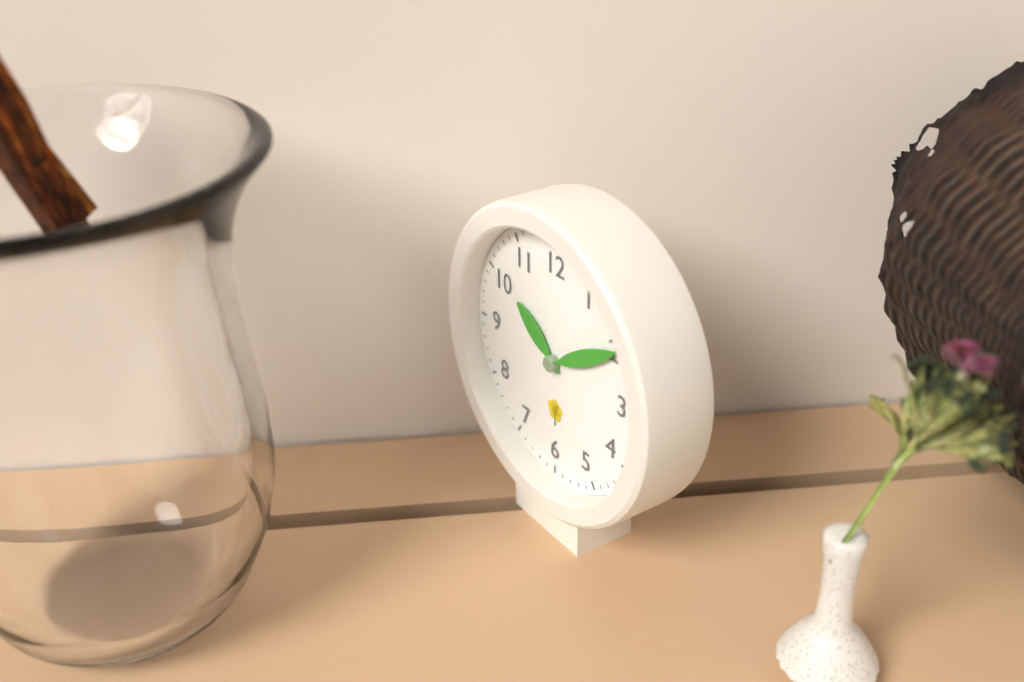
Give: 10h10
